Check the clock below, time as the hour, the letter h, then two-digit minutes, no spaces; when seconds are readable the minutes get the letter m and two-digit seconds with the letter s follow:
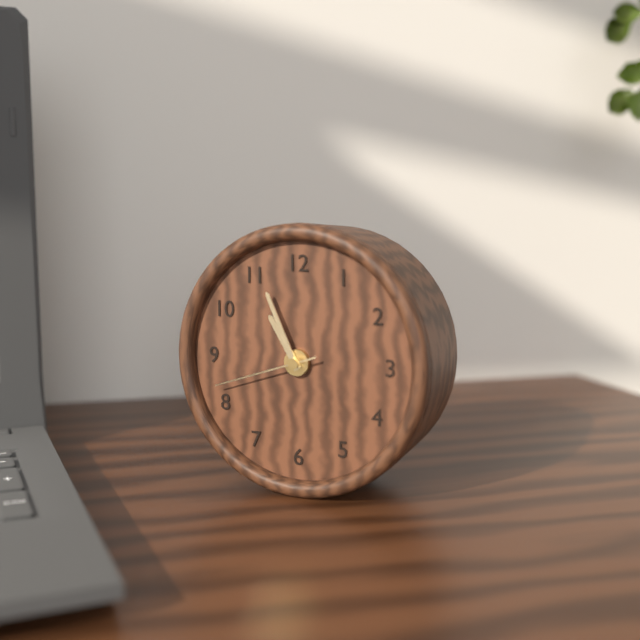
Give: 10h56m42s
